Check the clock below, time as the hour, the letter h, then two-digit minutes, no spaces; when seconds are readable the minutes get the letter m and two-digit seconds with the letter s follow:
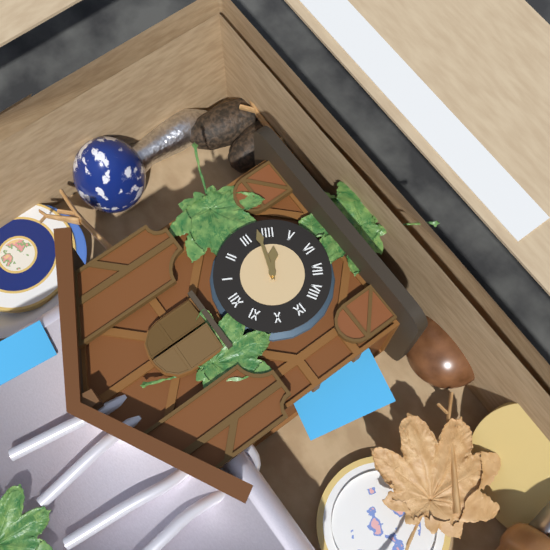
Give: 4h18
